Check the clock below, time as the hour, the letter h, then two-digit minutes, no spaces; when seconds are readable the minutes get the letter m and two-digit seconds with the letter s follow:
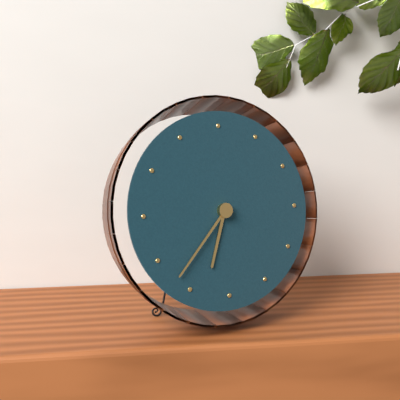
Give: 6h37
